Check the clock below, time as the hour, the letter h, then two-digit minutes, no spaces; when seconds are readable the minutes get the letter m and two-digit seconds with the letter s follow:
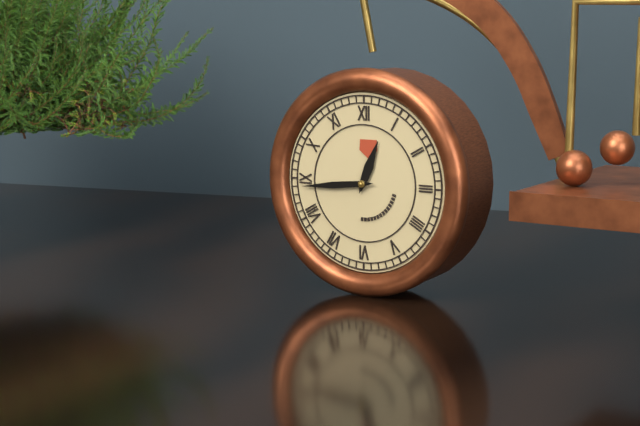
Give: 12h44
